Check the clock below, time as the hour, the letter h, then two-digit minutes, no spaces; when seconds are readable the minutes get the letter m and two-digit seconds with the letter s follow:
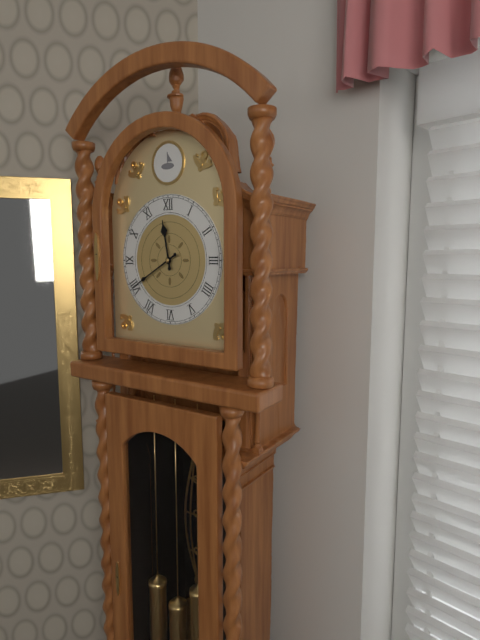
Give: 11h40
